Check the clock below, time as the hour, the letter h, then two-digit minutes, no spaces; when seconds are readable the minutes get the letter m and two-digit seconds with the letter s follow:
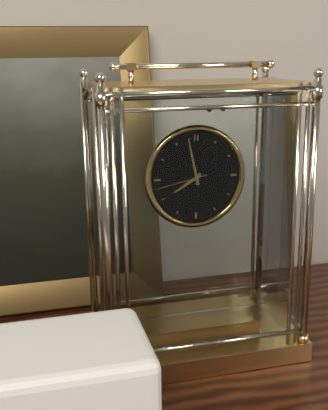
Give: 7h58m43s
